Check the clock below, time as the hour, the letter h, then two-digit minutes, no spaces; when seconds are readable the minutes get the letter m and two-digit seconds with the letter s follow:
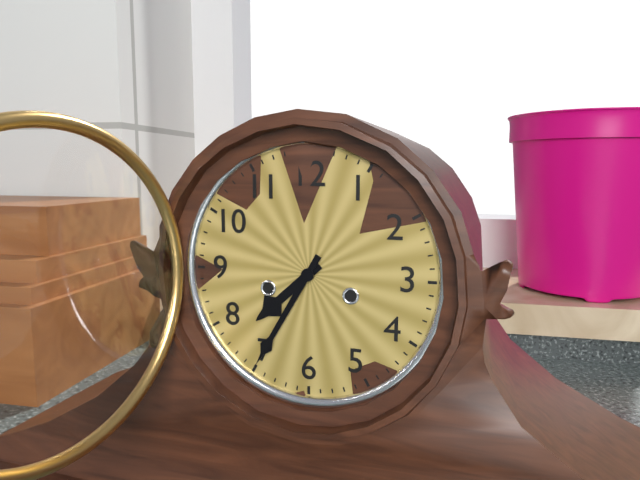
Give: 7h35
